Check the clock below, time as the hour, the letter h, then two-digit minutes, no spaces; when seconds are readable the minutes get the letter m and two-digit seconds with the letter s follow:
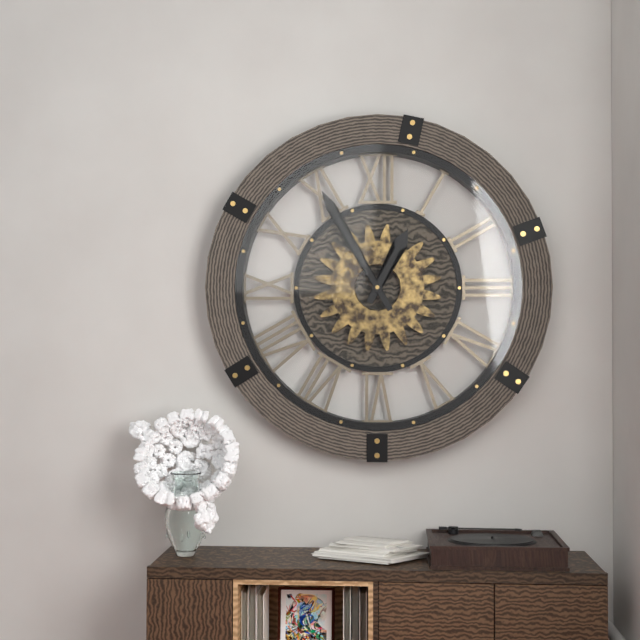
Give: 12h55
